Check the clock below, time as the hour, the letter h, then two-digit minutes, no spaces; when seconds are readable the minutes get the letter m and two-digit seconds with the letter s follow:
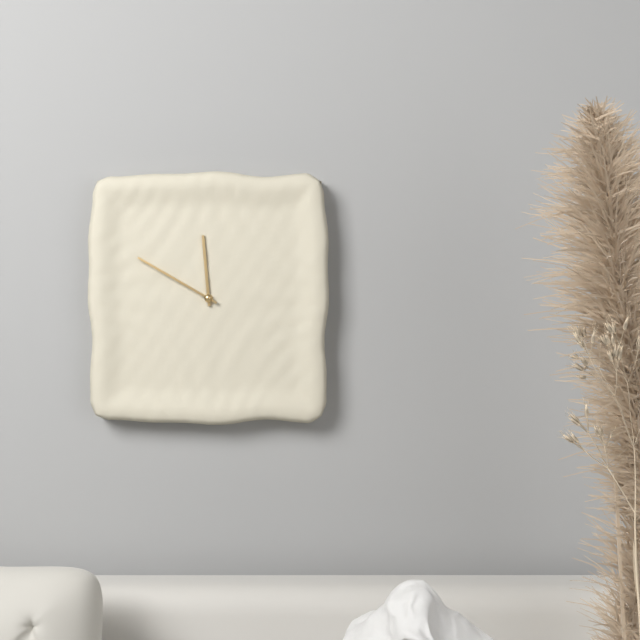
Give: 11h50
